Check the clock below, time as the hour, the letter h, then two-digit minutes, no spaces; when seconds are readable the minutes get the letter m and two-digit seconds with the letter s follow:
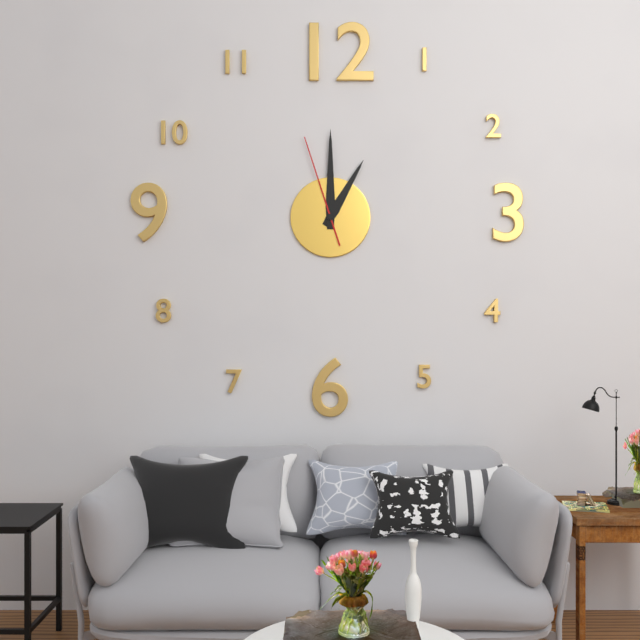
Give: 1h00m57s
